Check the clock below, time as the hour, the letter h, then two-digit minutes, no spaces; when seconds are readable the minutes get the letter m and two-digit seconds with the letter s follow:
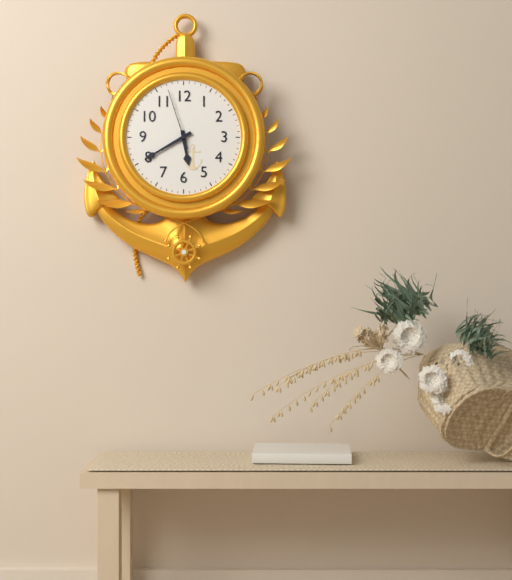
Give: 5h40m57s
